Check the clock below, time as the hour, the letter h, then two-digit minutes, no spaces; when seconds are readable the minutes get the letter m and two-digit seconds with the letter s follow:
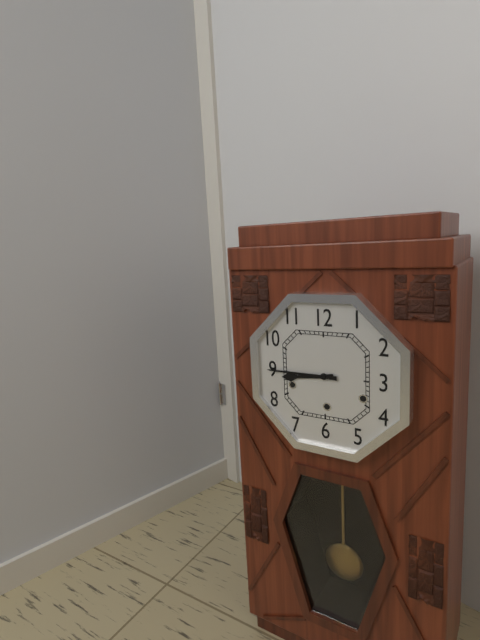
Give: 8h45
